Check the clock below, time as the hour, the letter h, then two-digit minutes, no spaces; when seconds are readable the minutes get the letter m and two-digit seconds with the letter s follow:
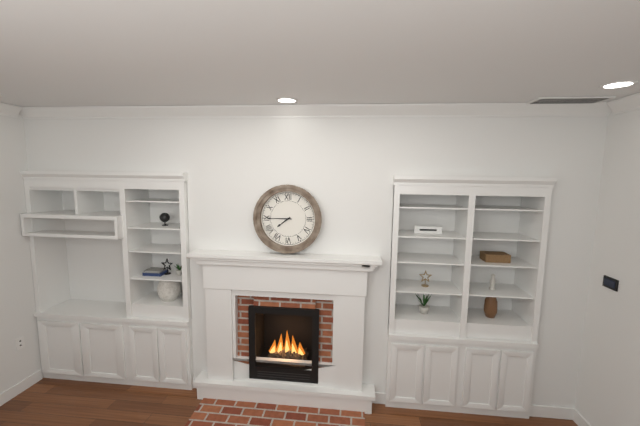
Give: 7h45
